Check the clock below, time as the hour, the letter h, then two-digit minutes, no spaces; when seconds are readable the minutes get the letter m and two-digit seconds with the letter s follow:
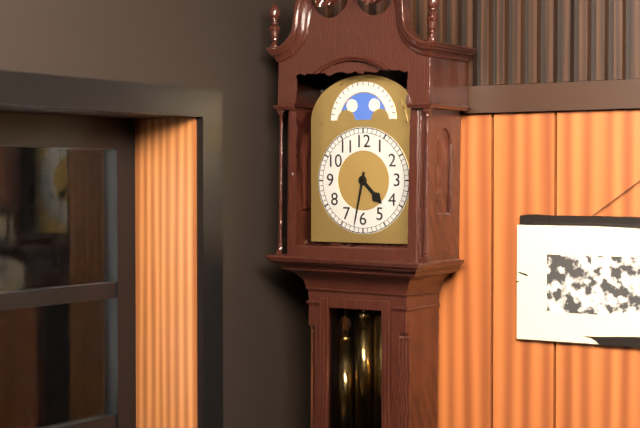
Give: 4h32
